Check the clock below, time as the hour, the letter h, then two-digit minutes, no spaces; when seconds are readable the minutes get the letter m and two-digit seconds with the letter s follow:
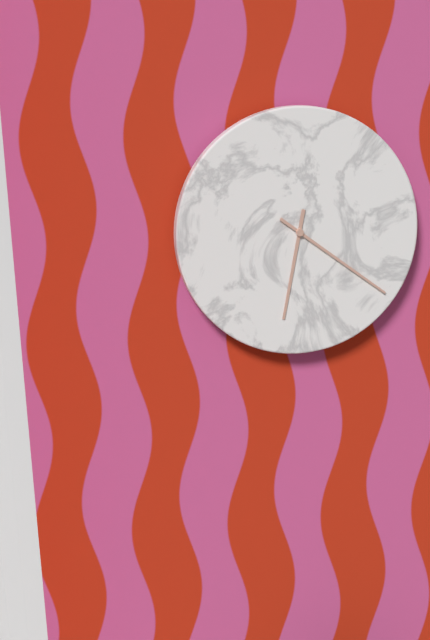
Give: 6h21
